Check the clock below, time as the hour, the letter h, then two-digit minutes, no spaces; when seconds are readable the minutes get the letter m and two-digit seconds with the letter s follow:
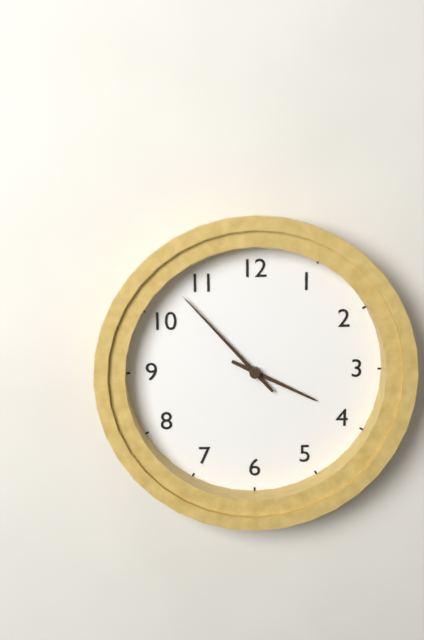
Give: 3h53m53s
